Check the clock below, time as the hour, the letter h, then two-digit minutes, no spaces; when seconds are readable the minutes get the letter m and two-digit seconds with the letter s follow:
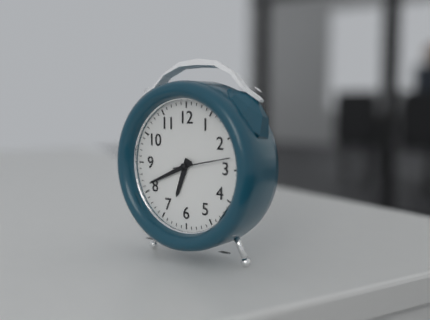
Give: 6h41
